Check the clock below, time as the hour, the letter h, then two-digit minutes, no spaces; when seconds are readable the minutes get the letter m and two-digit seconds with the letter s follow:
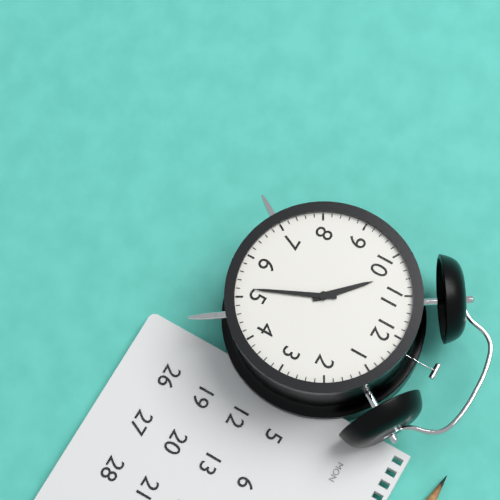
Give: 10h26
